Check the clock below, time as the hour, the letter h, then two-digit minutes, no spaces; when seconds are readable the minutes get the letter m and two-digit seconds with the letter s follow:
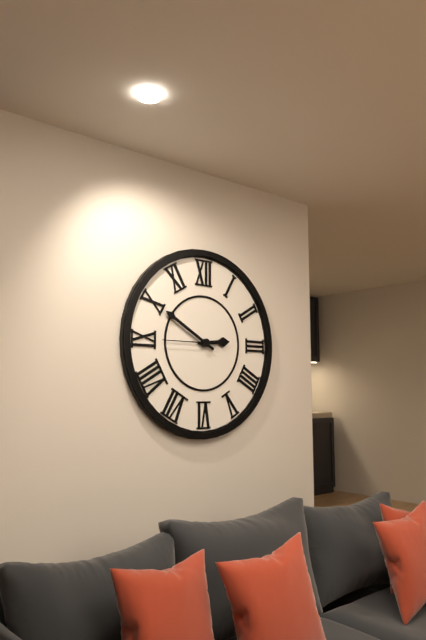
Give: 2h50m45s
